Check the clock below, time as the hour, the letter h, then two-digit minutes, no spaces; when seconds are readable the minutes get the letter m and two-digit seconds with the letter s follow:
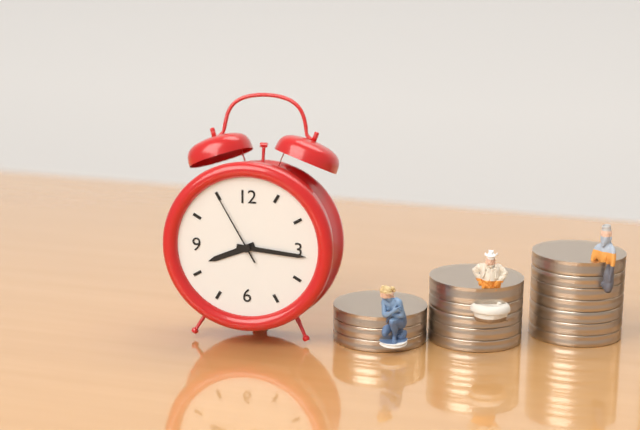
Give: 8h16m55s
